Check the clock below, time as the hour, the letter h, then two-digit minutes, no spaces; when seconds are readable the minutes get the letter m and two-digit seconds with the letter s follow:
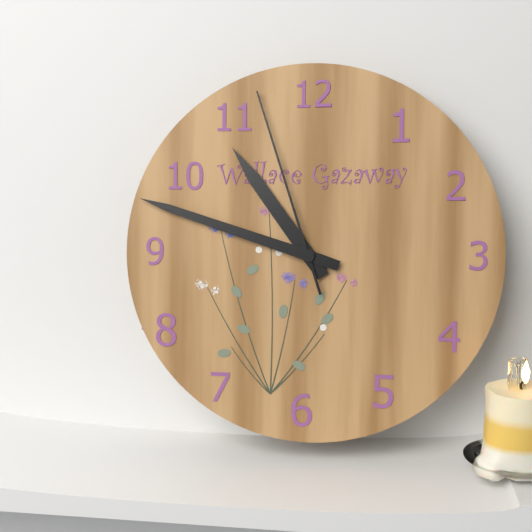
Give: 10h48m57s
